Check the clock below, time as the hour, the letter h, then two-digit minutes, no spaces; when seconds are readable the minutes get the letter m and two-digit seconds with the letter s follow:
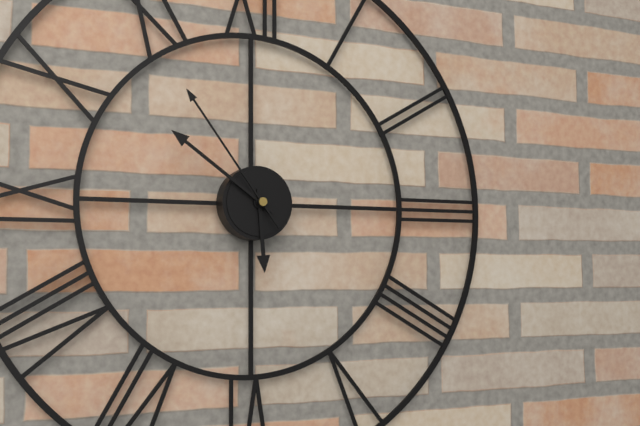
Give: 5h51m54s
